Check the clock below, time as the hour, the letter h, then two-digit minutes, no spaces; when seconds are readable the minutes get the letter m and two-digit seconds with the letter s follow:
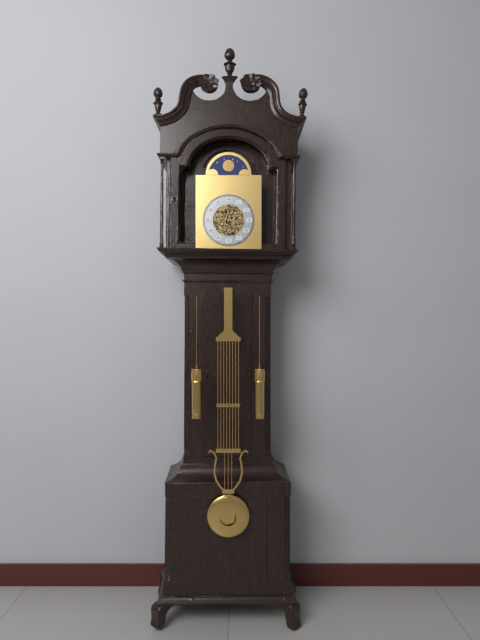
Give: 11h27
